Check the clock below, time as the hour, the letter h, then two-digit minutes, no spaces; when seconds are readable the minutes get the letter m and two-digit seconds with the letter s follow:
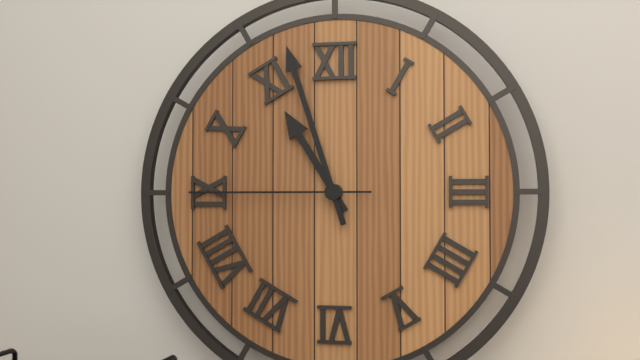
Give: 10h57m45s
